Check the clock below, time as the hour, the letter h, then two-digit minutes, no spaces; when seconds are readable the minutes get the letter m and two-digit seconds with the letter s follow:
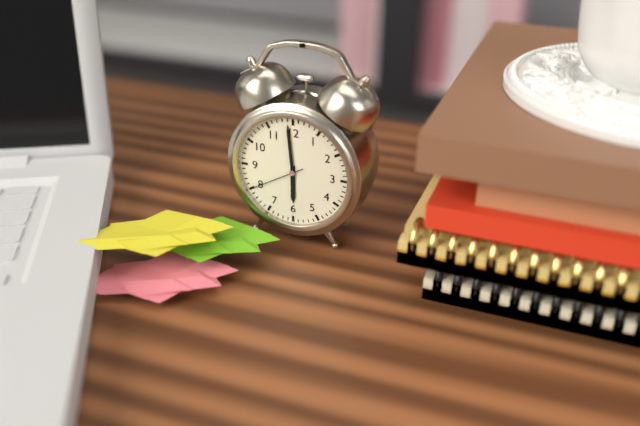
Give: 5h59m40s
